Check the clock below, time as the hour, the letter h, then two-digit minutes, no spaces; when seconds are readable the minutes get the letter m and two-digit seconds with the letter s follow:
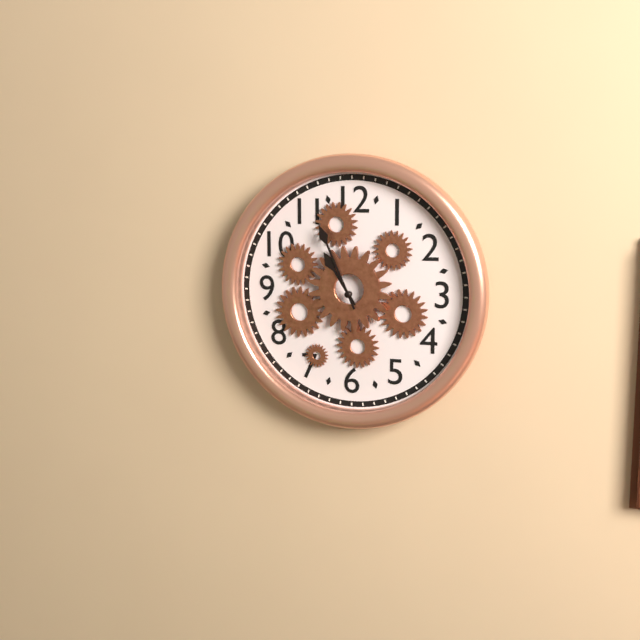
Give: 10h56
